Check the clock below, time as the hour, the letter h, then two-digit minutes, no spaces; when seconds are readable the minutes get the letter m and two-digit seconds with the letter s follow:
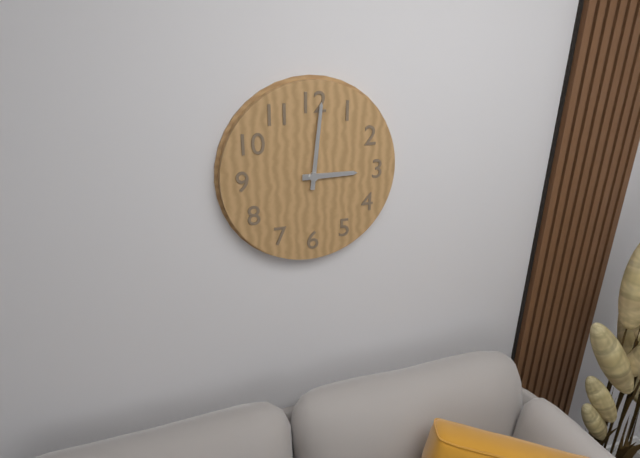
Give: 3h01
